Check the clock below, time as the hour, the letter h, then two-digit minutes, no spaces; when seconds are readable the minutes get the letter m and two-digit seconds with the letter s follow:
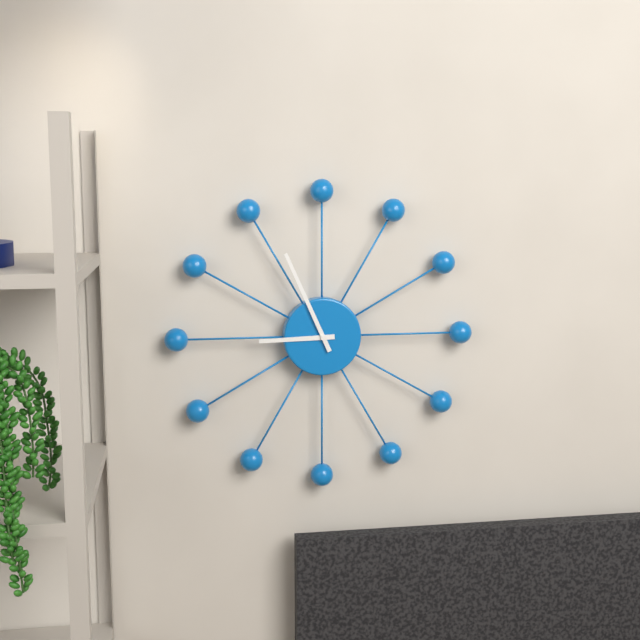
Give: 8h56
